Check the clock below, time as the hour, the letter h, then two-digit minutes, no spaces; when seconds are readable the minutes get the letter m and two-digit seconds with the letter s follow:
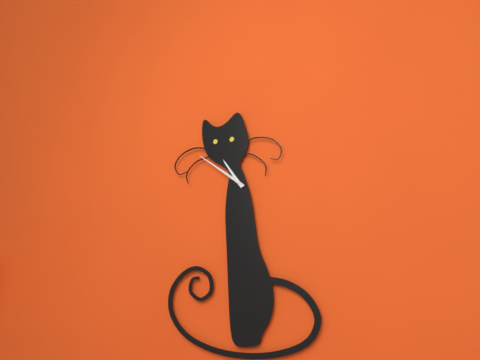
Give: 10h51
